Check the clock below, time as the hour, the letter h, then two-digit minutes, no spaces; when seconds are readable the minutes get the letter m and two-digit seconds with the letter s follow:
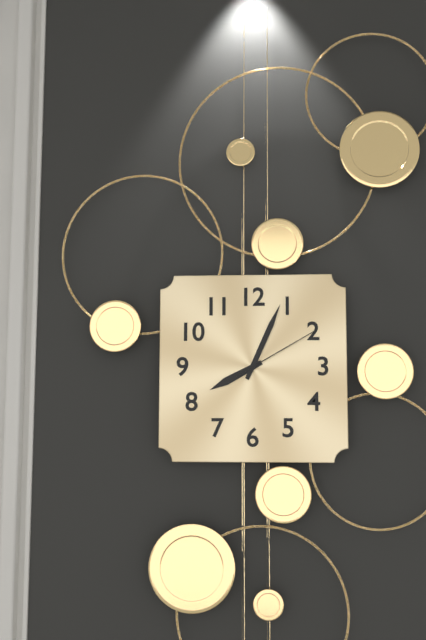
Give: 8h04m10s
